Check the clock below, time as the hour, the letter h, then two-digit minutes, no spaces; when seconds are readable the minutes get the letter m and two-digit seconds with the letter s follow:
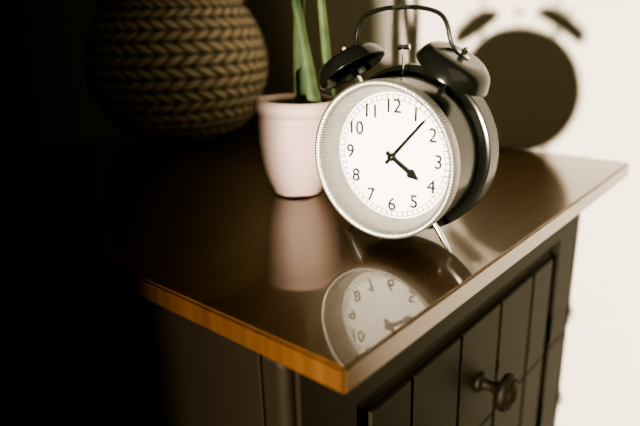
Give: 4h07
